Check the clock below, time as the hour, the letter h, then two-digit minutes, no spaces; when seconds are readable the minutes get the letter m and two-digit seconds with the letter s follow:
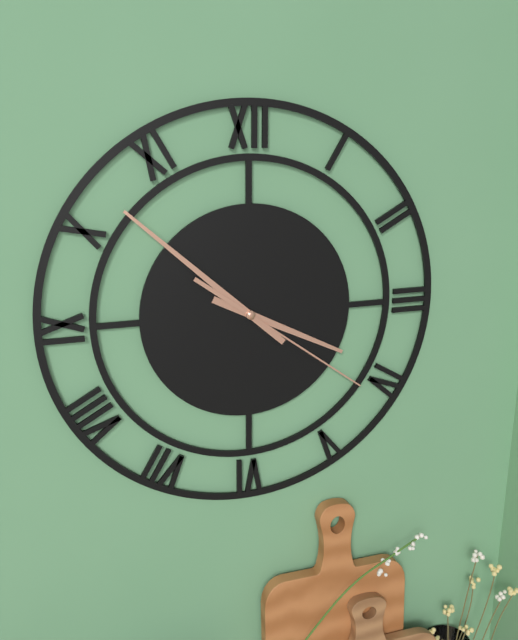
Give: 3h52m21s
